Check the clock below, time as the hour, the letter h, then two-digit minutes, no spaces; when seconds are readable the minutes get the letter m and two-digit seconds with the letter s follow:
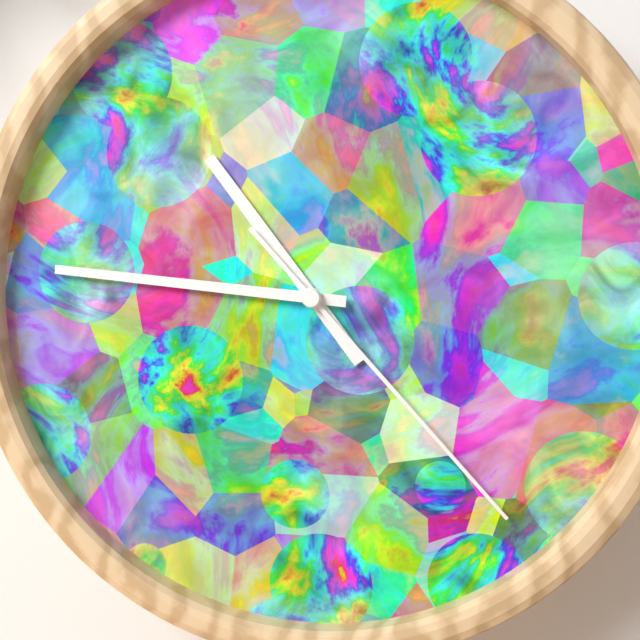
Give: 10h46m23s
